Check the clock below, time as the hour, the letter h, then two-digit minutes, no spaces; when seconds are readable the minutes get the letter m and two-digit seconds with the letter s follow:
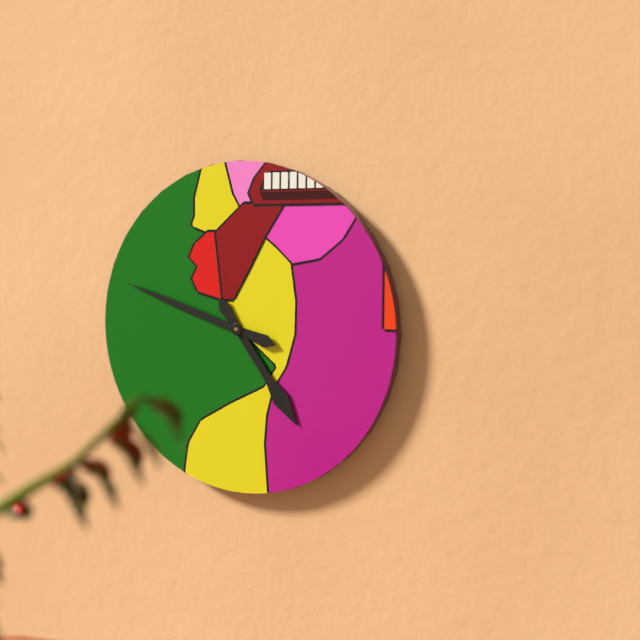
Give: 4h48
